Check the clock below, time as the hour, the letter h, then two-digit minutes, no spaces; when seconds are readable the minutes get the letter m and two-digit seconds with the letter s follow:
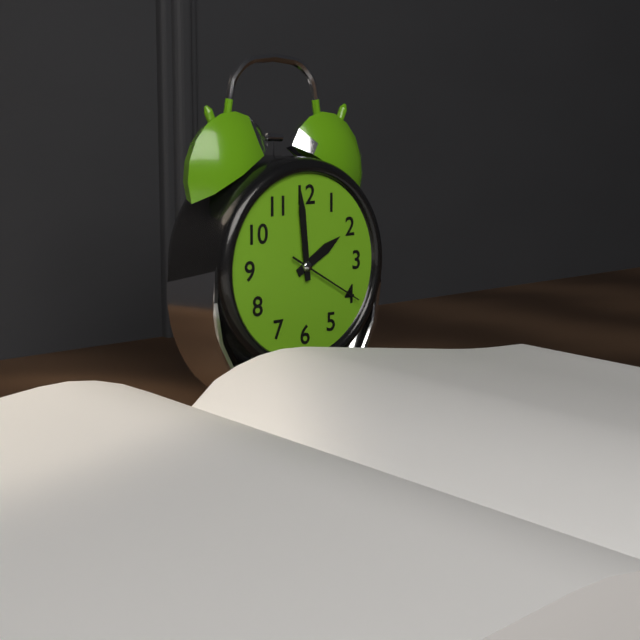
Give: 1h59m20s
